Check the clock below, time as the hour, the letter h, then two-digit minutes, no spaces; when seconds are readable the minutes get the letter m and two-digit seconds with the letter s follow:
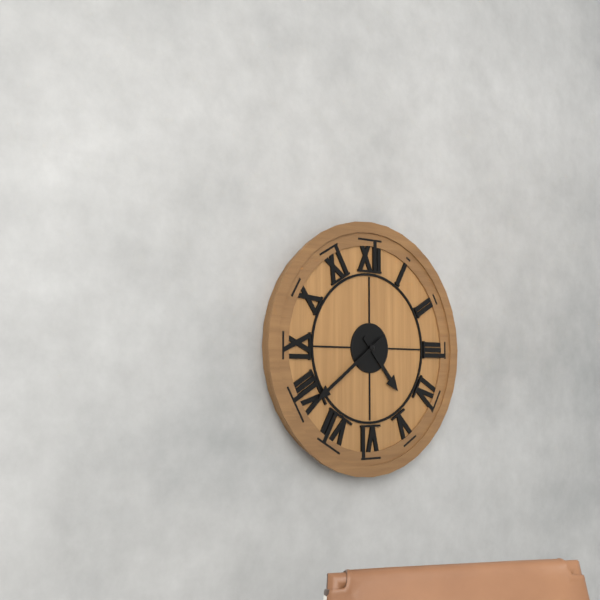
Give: 4h39
